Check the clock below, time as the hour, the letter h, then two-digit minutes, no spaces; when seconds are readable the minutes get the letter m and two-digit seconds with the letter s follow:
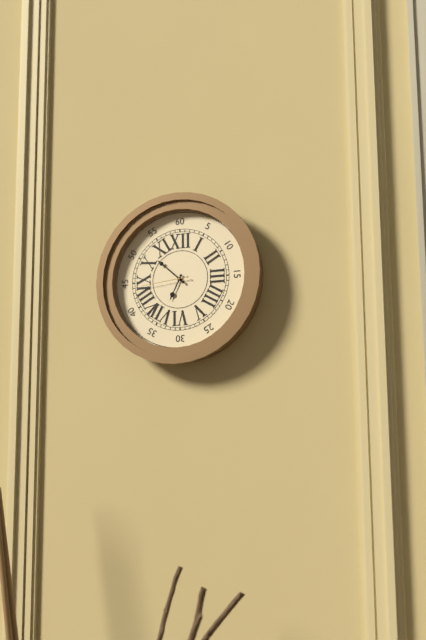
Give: 6h52
